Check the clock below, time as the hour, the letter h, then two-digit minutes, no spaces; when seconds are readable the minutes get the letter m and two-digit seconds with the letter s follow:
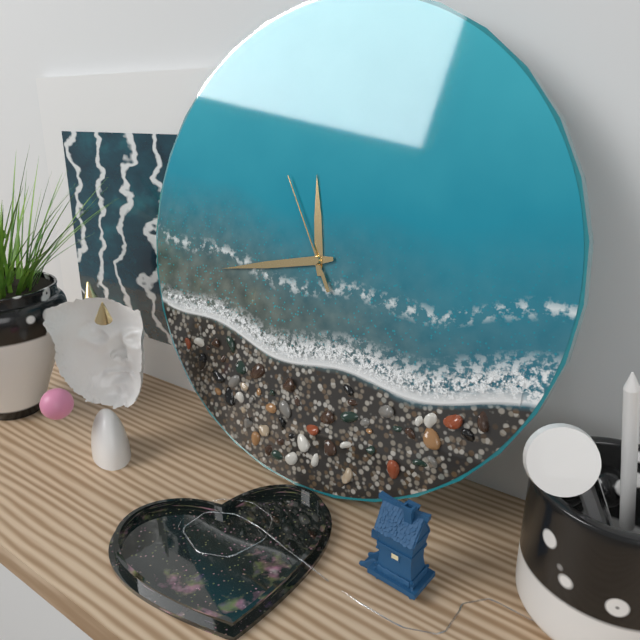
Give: 11h43m55s
